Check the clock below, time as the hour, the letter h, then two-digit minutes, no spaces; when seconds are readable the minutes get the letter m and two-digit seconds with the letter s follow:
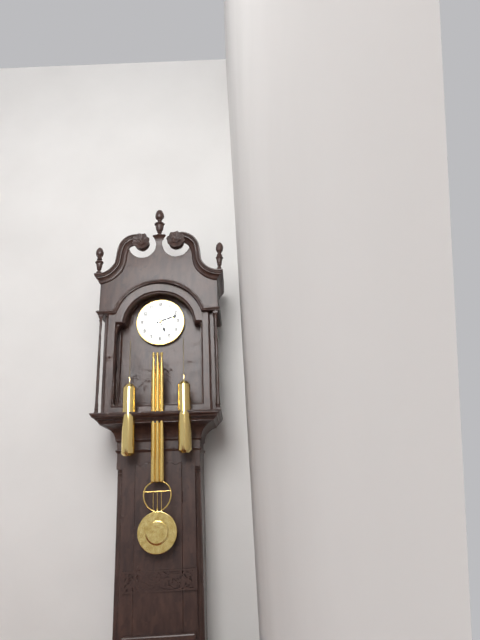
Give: 5h12
